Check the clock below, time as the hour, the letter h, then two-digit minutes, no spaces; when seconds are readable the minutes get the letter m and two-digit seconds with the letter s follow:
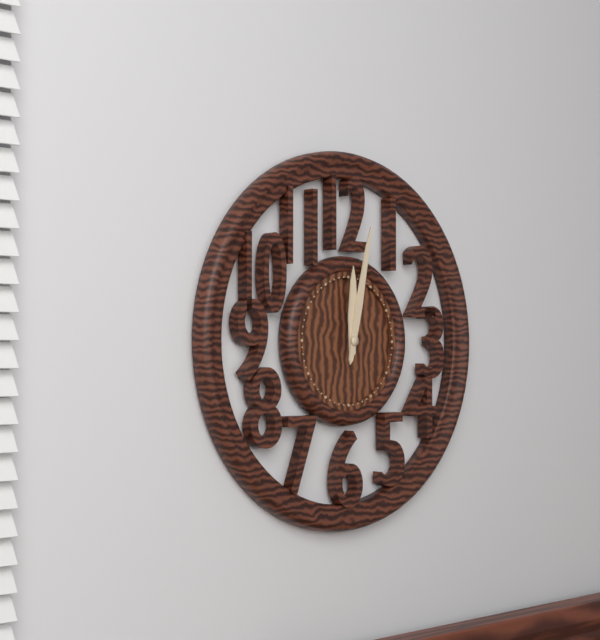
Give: 12h02
